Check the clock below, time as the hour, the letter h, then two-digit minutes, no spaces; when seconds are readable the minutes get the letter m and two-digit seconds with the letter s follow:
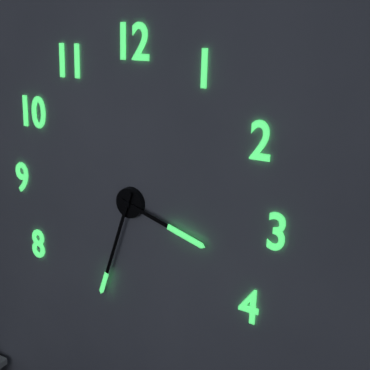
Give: 3h33
